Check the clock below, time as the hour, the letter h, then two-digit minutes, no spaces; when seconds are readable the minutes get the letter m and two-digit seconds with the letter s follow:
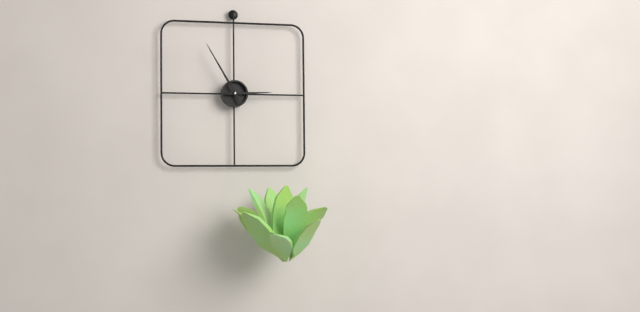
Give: 2h55
